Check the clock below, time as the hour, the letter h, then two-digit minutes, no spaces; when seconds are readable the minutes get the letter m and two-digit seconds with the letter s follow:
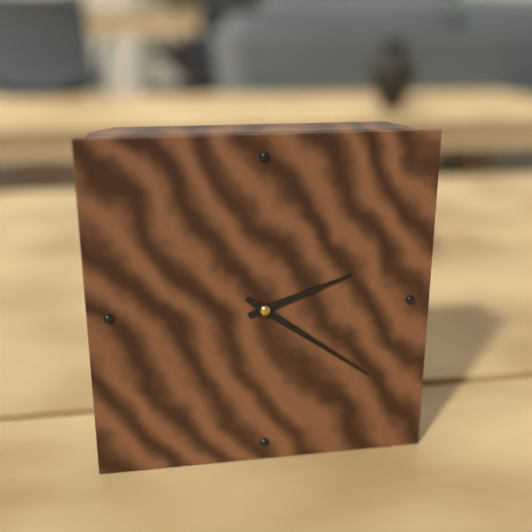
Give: 2h21
